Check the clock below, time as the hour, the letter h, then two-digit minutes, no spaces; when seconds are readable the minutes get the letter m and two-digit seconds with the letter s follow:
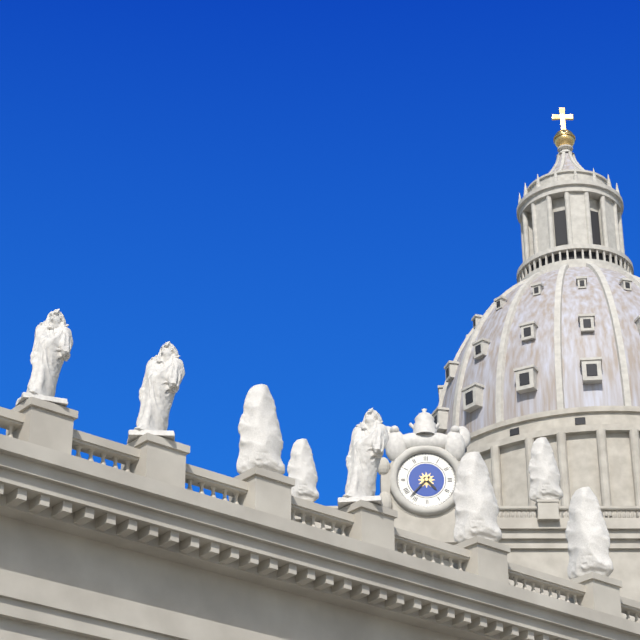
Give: 4h37
